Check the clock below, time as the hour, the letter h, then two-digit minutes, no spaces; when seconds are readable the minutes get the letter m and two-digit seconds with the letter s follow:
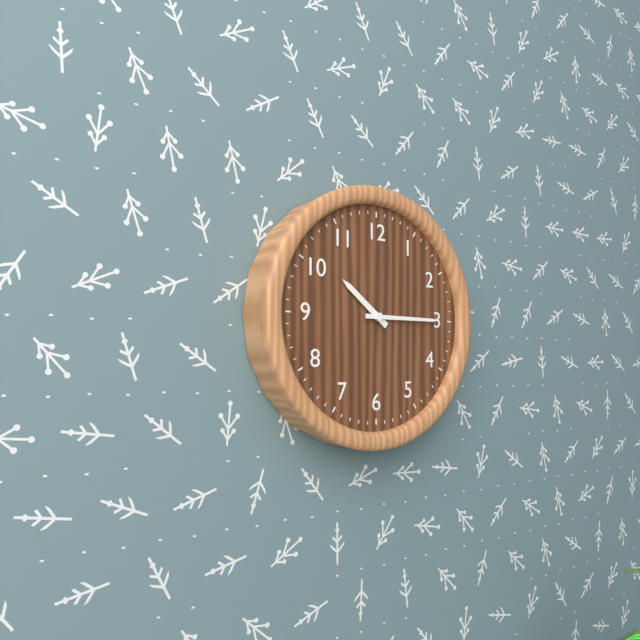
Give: 10h15
